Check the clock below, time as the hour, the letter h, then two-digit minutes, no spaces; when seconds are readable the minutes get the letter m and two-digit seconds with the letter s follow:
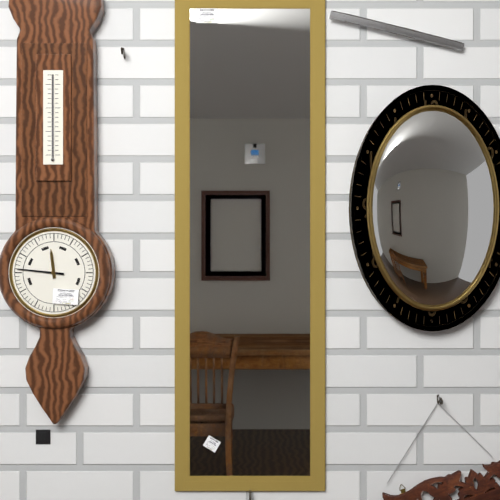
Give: 11h46
